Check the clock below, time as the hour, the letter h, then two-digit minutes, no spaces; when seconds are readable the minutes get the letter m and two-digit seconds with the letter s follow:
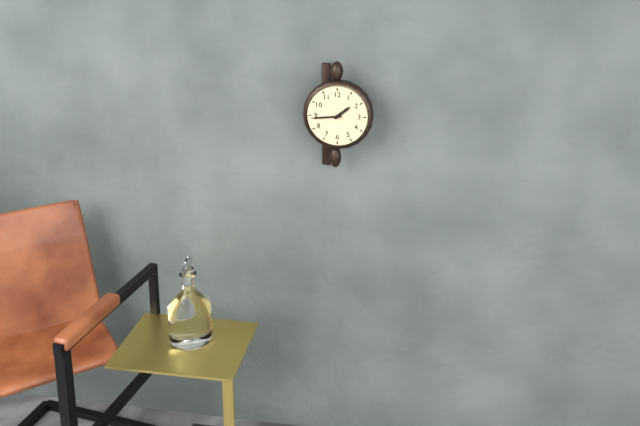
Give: 1h44
